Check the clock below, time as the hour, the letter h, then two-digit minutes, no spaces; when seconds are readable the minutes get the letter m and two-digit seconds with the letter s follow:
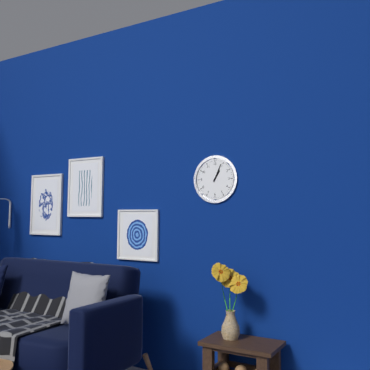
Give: 1h04
